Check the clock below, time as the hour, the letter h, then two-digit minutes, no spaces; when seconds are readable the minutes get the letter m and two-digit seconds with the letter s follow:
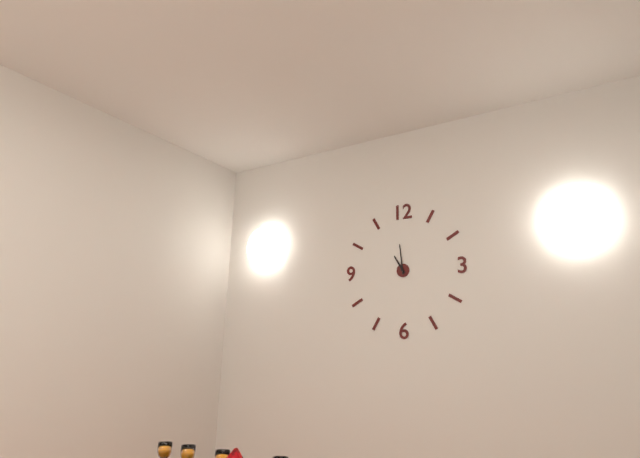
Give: 10h59
